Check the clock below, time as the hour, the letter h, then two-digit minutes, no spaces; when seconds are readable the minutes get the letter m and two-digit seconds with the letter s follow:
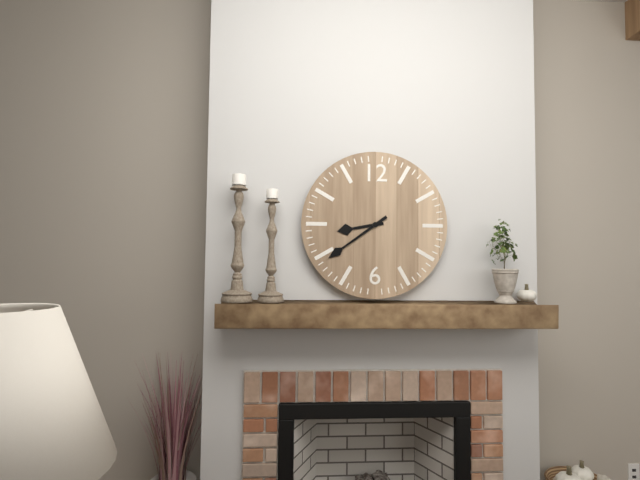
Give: 8h39
